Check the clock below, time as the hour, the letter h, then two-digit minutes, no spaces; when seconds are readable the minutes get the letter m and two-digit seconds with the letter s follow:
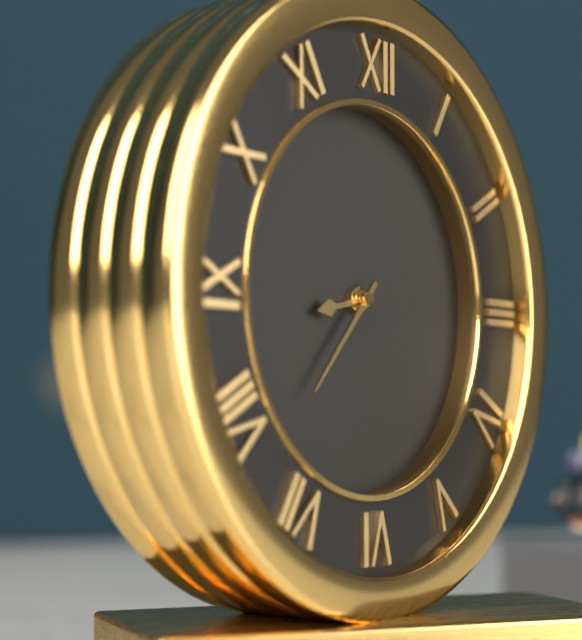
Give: 8h37
